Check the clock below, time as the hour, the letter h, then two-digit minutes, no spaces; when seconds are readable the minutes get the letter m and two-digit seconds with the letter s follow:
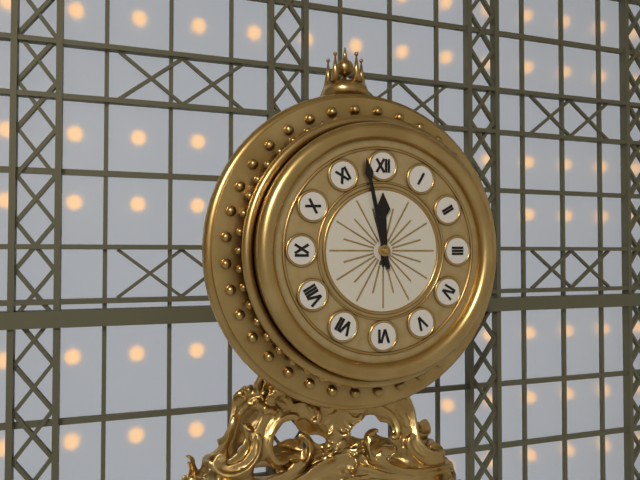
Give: 11h58
